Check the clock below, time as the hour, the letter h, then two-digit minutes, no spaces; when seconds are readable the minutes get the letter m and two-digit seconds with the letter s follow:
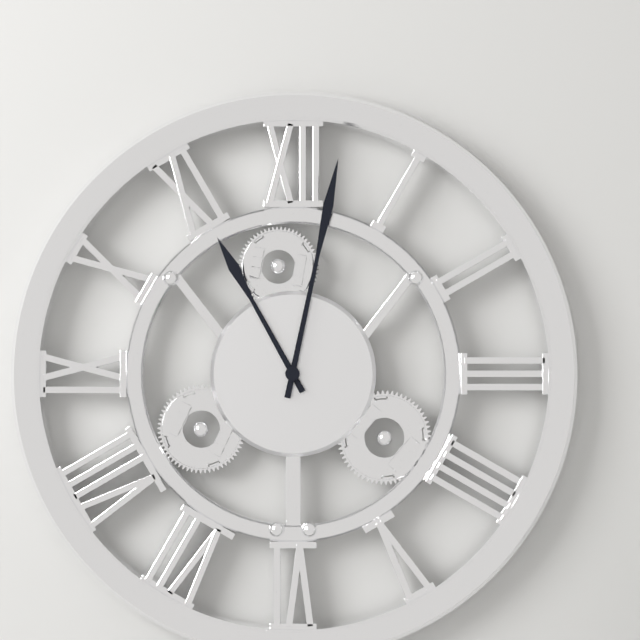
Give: 11h02
